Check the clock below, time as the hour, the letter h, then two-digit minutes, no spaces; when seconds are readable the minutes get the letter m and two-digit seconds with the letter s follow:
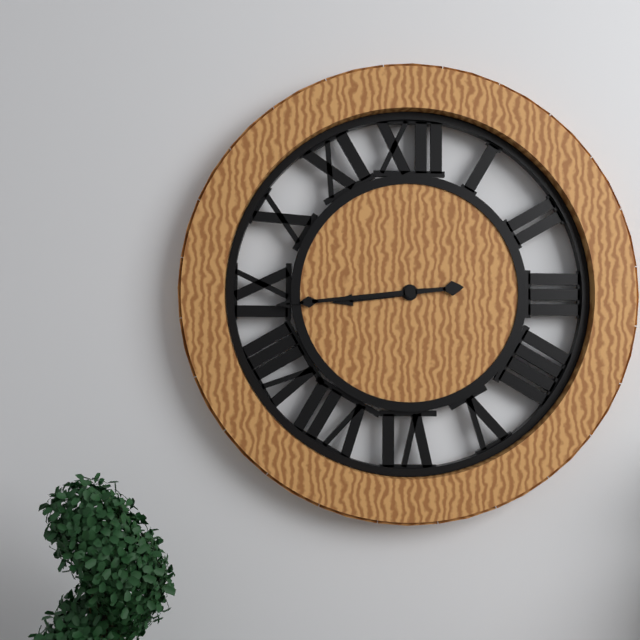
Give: 8h44
